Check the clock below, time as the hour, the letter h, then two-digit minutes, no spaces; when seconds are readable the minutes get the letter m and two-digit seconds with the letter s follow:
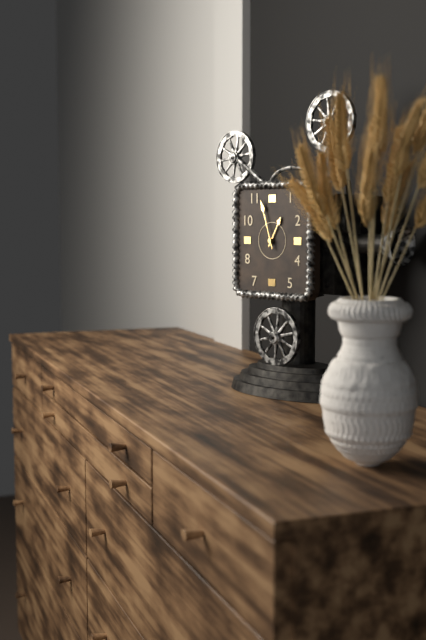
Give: 12h57
